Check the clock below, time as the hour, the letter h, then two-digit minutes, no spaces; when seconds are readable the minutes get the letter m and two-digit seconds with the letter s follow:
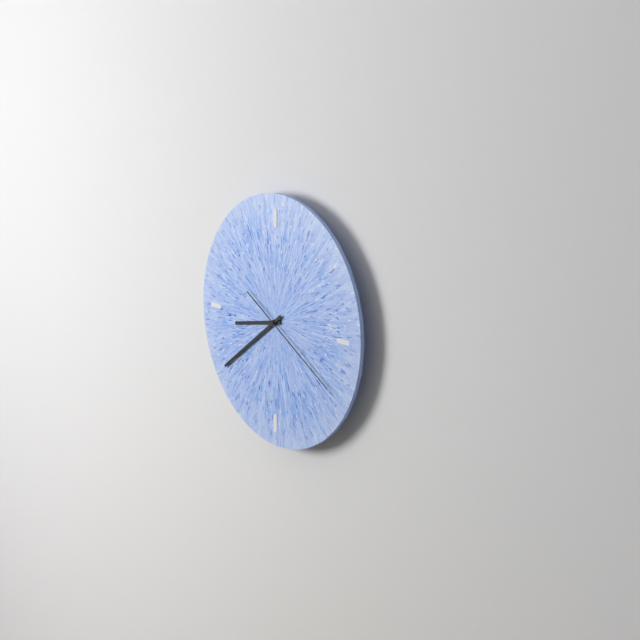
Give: 8h39m20s
